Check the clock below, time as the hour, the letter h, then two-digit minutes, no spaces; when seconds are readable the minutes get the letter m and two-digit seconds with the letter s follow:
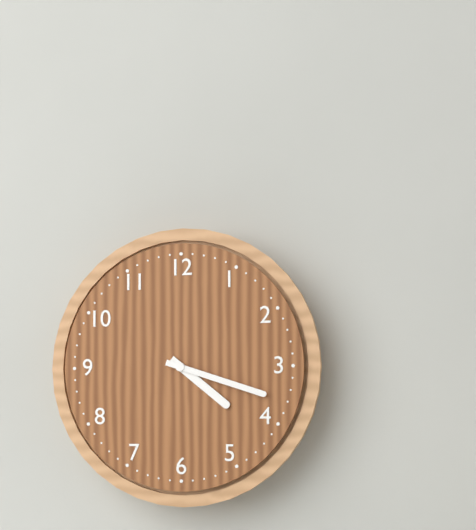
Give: 4h18
